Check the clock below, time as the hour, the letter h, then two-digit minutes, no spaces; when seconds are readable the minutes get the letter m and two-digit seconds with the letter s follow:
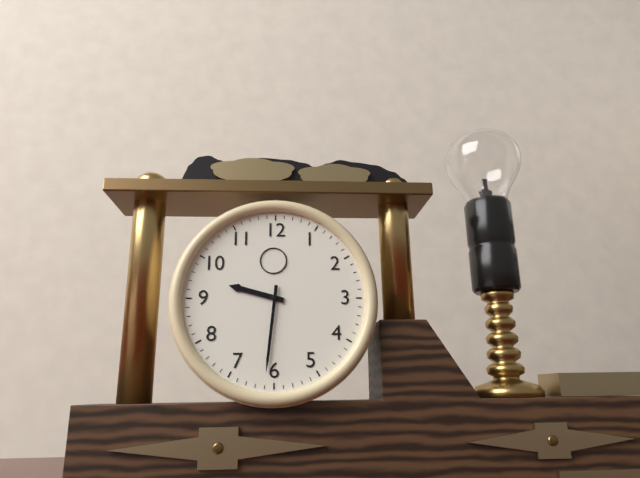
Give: 9h31
